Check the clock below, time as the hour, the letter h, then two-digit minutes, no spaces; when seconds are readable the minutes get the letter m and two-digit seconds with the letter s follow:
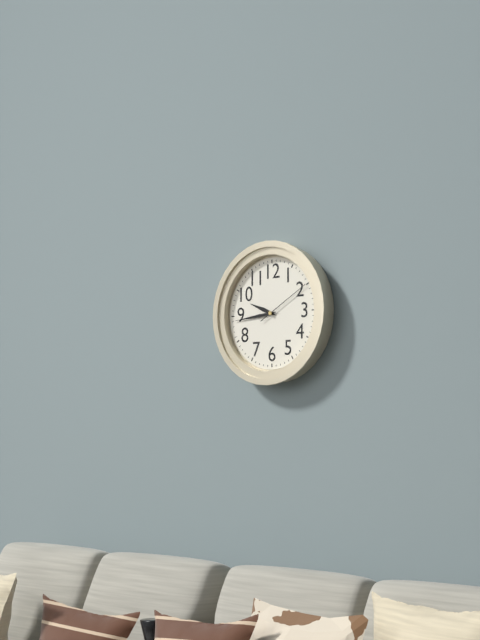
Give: 9h44m10s
